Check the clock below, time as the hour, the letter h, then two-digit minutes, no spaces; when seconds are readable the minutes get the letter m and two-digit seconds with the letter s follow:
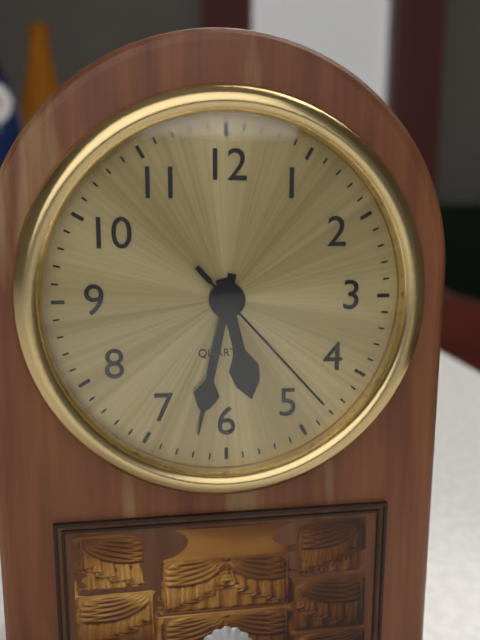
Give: 5h32m23s
